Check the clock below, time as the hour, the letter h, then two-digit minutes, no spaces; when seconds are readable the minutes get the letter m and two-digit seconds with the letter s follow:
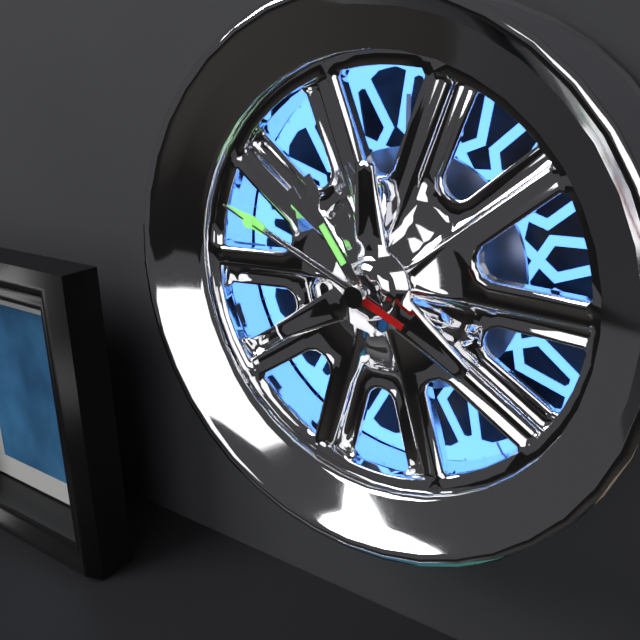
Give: 10h49m49s
